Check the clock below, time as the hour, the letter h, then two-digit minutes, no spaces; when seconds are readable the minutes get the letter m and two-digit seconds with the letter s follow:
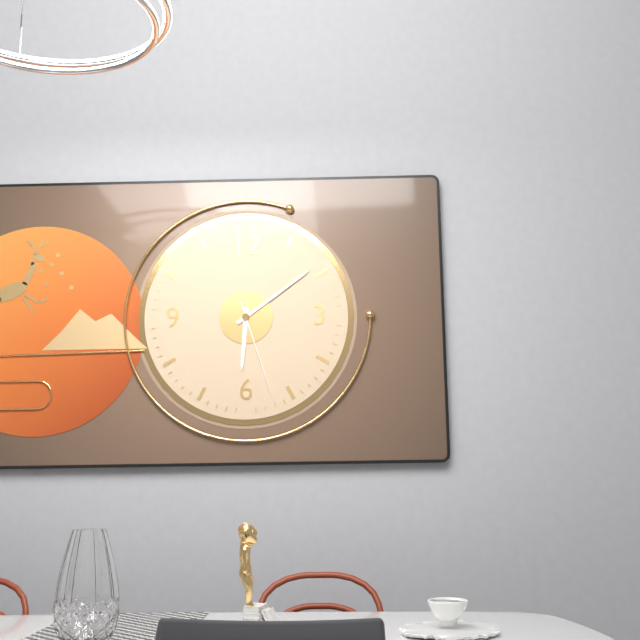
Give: 6h09m27s
